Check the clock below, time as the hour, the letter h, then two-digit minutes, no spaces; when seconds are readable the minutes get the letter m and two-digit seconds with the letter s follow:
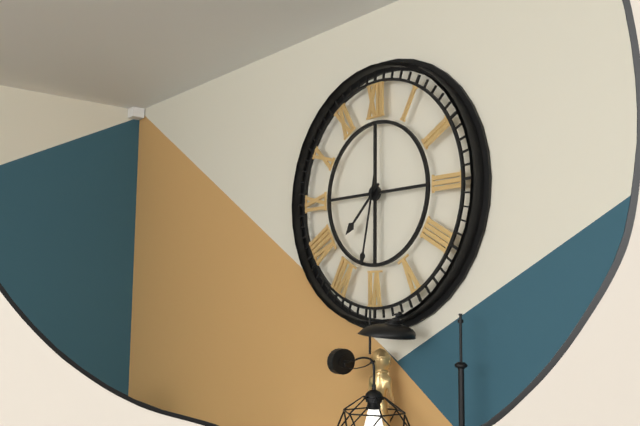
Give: 7h32
